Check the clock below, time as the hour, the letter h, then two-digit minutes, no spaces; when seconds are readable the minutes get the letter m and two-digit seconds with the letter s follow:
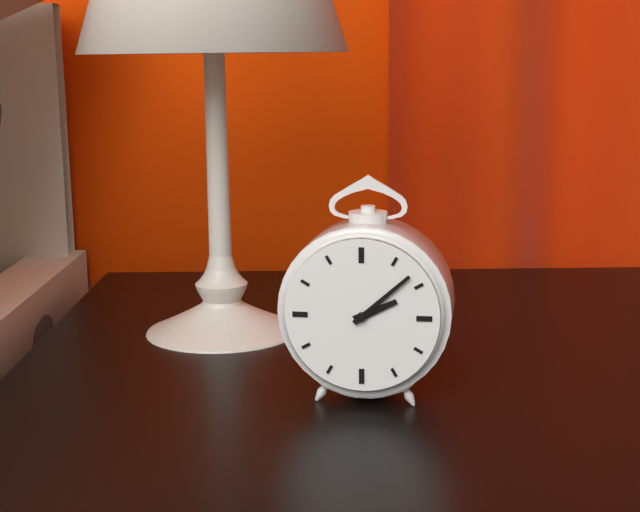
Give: 2h08
